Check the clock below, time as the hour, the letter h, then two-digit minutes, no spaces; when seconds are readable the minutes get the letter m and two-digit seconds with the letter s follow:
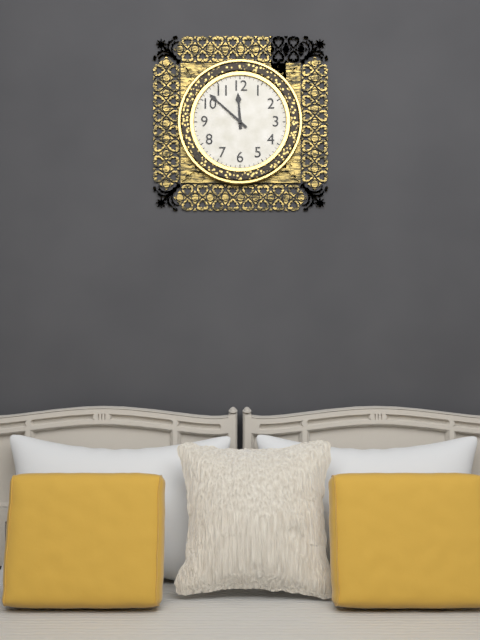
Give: 11h52
